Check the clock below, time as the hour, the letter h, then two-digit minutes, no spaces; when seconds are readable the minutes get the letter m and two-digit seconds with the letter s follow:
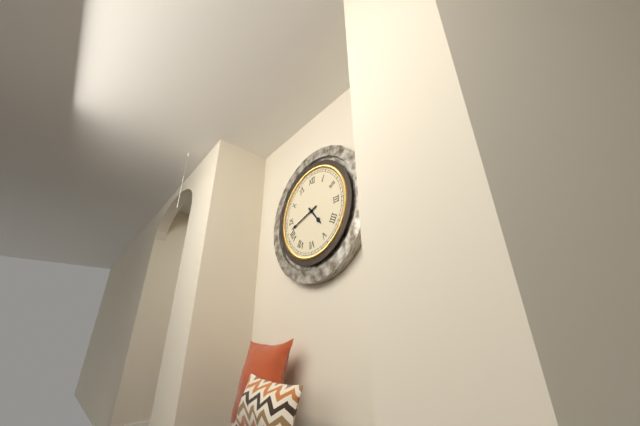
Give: 4h42
